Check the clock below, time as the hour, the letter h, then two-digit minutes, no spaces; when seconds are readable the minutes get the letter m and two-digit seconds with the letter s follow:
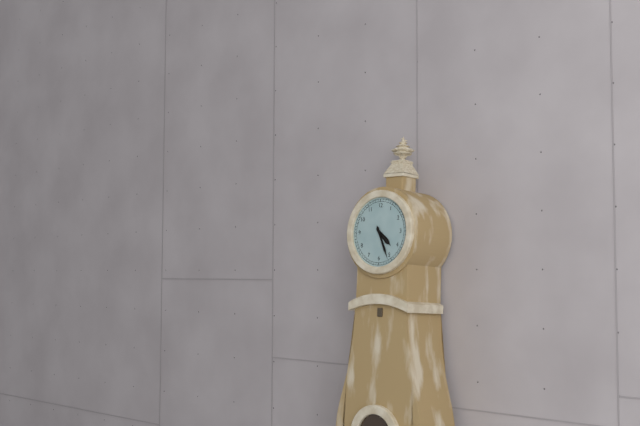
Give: 4h26
